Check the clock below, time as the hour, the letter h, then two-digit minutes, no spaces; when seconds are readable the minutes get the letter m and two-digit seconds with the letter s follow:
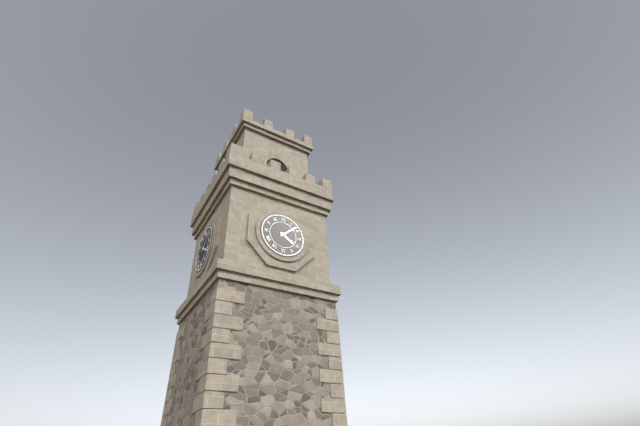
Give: 4h08
